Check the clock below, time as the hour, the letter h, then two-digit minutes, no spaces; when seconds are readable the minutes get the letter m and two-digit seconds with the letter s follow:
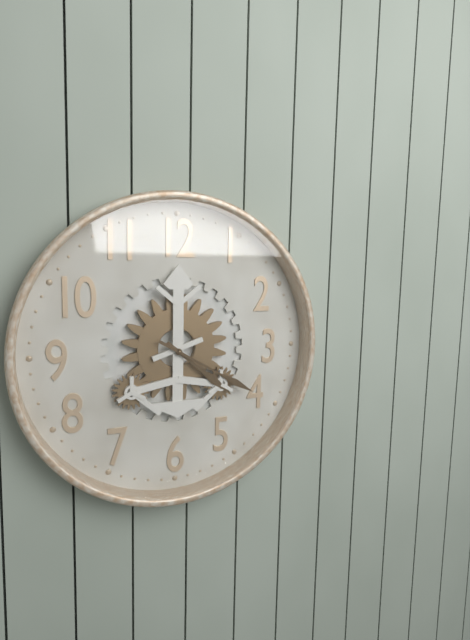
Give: 4h20
